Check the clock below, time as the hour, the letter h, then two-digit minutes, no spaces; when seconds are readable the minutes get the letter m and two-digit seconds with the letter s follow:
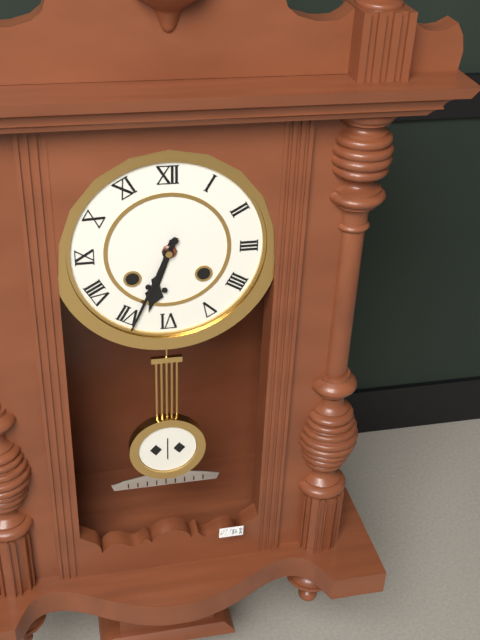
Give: 6h34
